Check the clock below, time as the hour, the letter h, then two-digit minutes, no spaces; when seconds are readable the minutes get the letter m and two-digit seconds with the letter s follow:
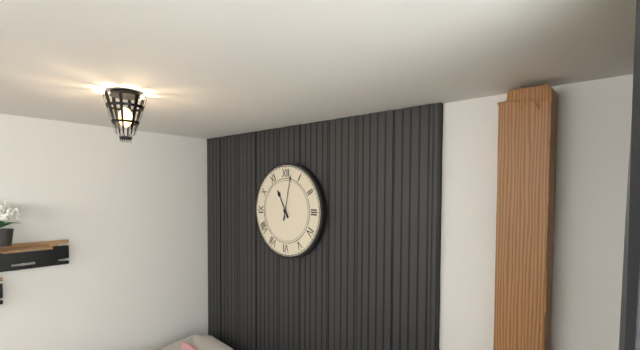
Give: 11h02
